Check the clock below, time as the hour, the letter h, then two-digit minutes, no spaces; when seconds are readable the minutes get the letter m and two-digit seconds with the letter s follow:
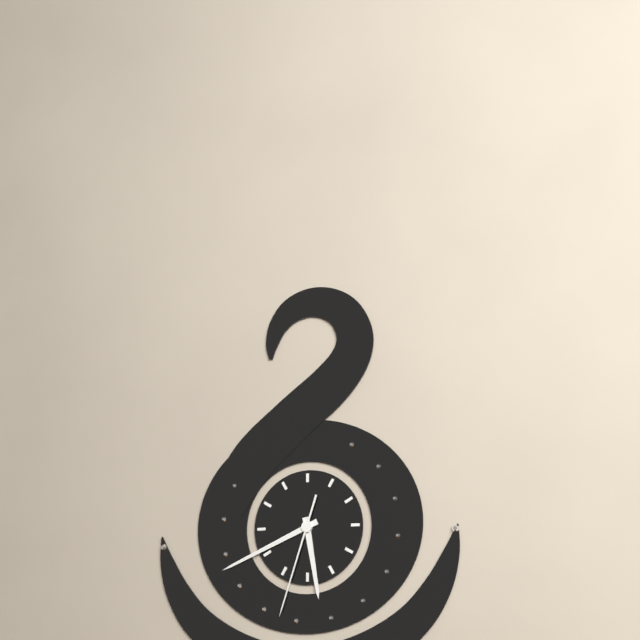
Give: 5h41m33s
